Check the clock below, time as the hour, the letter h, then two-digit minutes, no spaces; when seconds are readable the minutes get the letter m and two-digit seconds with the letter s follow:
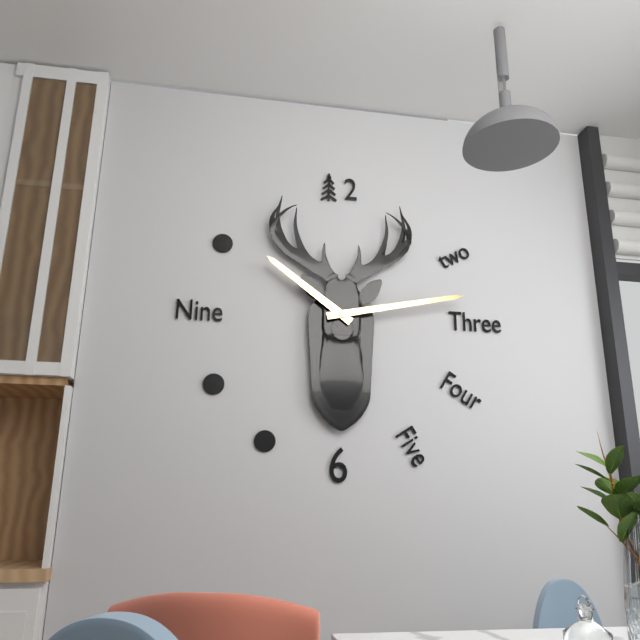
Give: 10h13
